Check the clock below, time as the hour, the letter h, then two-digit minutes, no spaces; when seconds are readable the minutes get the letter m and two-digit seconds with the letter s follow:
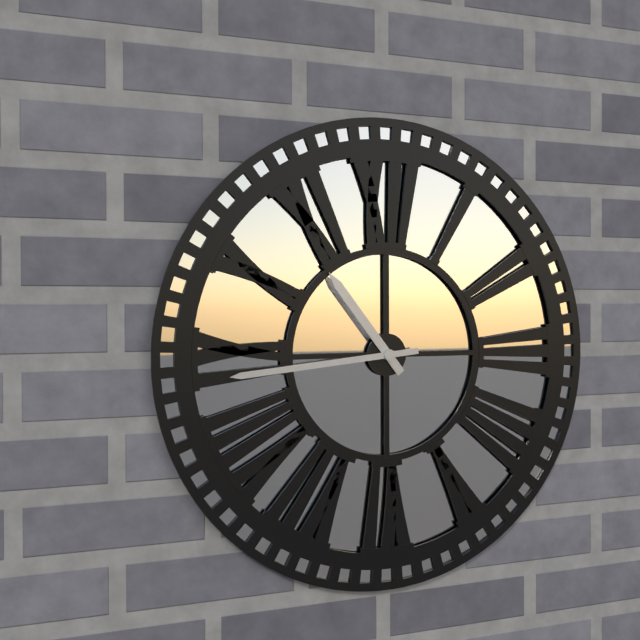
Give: 10h44
